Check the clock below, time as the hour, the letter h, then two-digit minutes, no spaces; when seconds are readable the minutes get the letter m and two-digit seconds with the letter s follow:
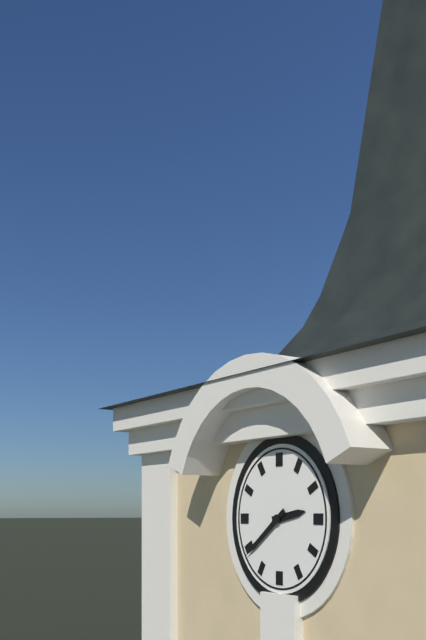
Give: 2h39
